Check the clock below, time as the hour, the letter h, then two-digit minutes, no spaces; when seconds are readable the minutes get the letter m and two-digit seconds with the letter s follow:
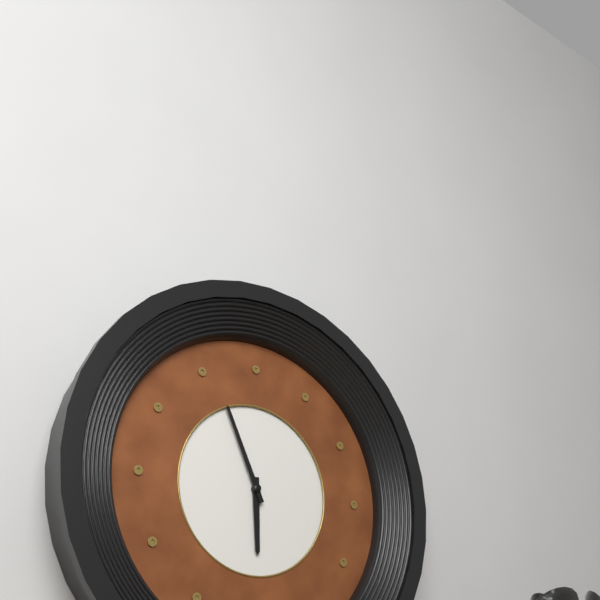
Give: 5h56
